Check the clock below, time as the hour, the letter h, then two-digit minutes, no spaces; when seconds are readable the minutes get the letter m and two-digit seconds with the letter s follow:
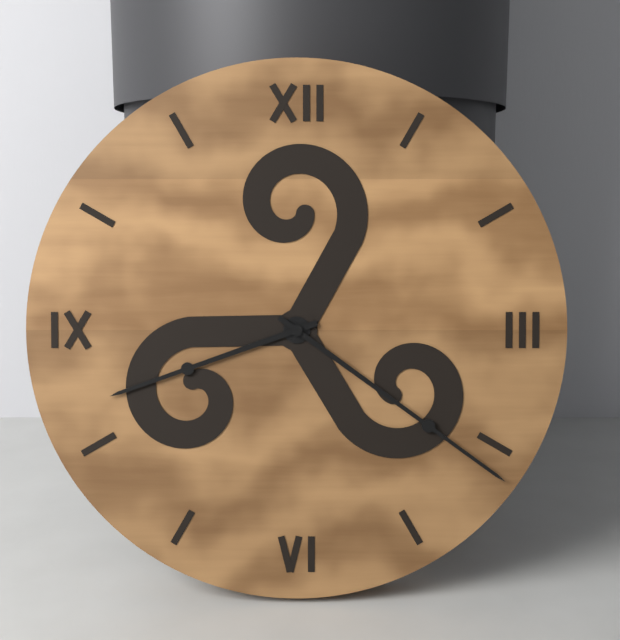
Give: 8h21
